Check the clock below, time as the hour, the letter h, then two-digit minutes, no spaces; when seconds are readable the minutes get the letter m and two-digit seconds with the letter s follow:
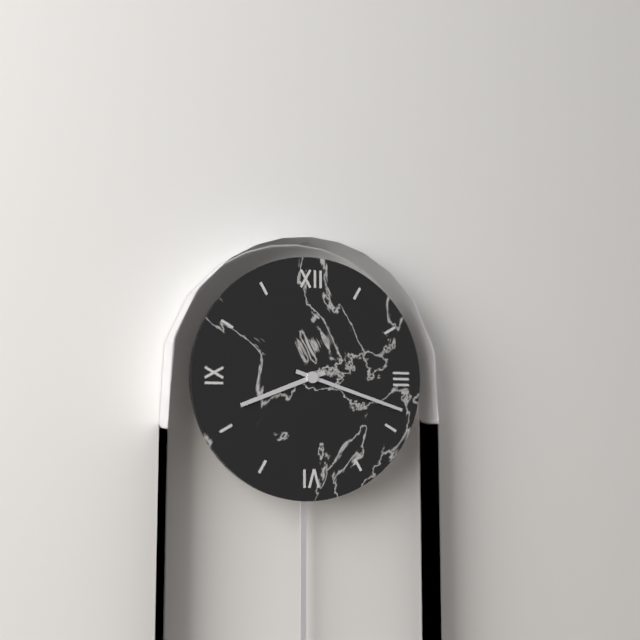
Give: 8h18
